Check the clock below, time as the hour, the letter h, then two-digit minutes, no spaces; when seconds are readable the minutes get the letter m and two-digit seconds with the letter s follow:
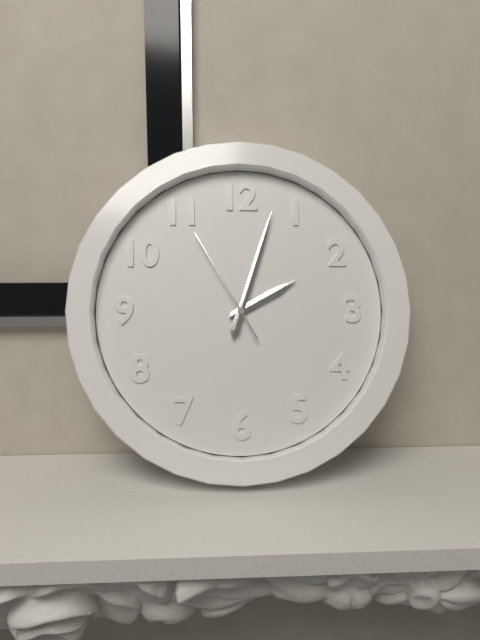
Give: 2h03m55s
